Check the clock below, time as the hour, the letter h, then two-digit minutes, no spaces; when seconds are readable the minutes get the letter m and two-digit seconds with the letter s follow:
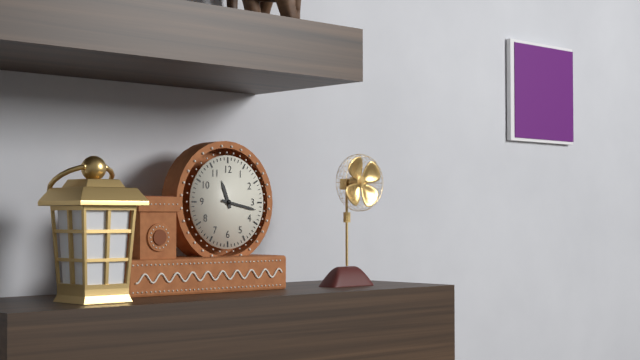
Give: 11h17
